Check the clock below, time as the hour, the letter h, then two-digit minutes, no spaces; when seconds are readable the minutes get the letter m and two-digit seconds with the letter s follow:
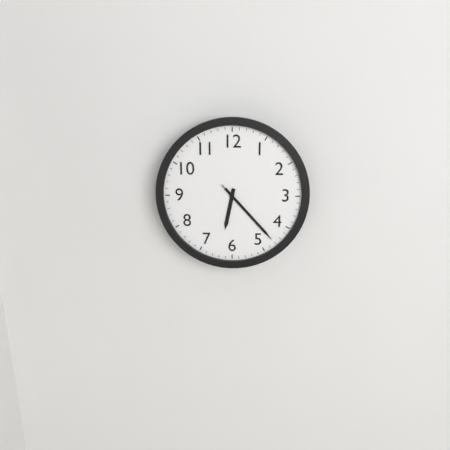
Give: 6h23m23s
